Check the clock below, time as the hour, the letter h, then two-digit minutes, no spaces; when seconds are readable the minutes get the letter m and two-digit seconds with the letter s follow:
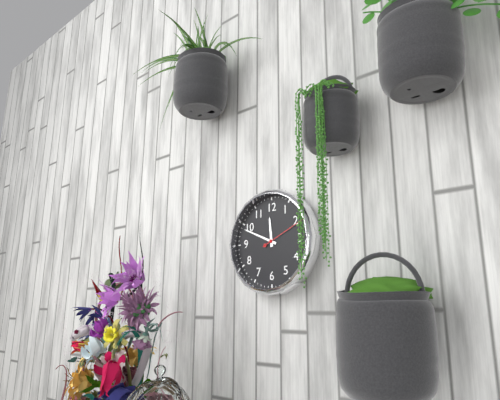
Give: 11h49
